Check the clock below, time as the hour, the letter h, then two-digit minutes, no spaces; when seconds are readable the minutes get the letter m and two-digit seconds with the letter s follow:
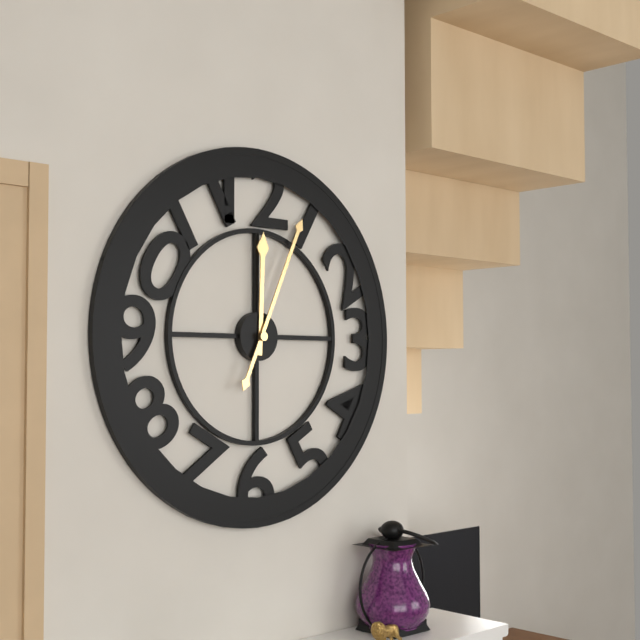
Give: 12h04
